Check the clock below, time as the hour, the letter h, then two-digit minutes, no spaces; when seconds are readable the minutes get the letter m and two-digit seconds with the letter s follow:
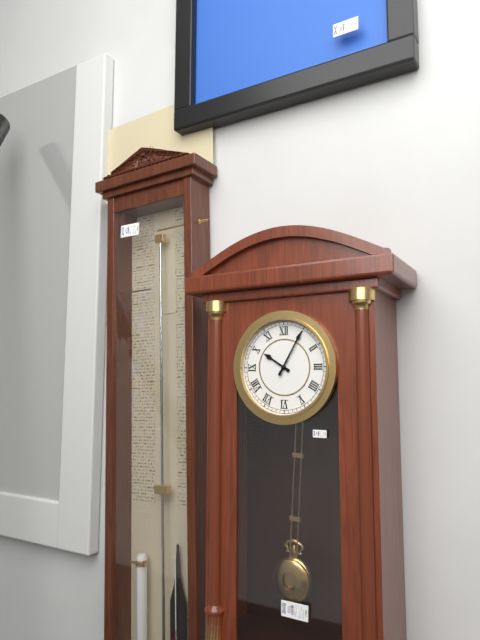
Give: 10h05
